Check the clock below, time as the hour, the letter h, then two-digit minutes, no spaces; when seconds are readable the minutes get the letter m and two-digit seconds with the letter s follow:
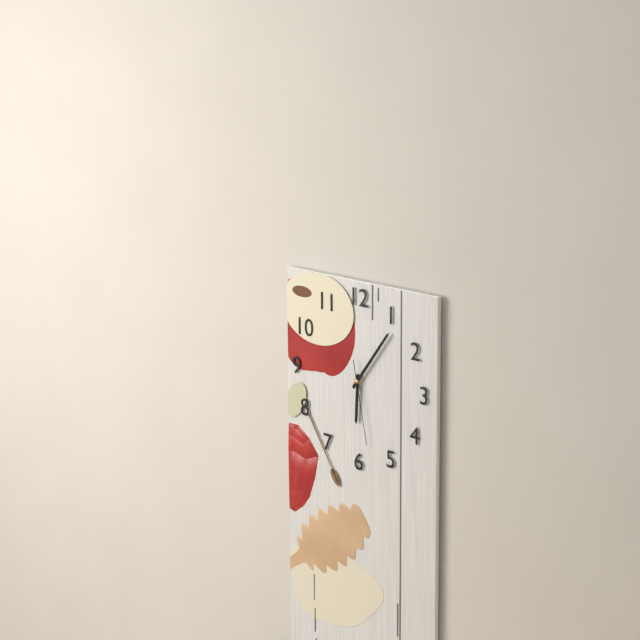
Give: 6h06m28s
